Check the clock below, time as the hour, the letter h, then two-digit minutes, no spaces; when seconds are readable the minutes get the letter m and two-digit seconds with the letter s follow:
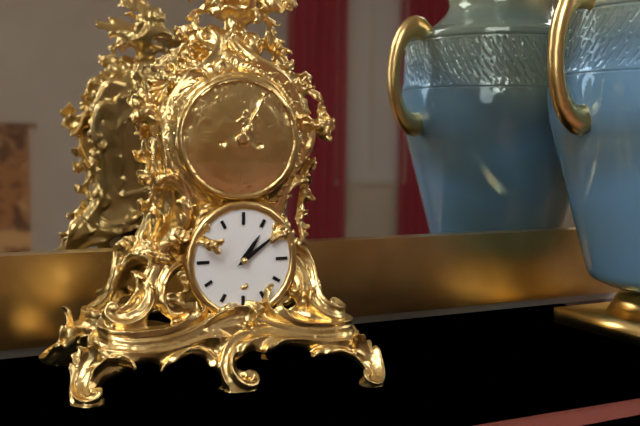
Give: 1h09
